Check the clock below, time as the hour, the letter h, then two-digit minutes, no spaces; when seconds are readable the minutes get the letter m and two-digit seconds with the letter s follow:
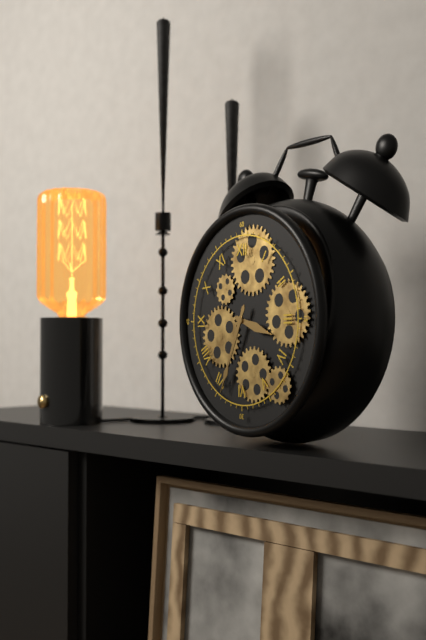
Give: 3h34
